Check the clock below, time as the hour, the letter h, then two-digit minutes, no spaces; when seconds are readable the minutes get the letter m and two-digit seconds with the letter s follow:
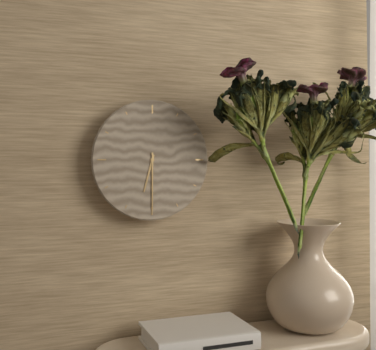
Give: 6h30
